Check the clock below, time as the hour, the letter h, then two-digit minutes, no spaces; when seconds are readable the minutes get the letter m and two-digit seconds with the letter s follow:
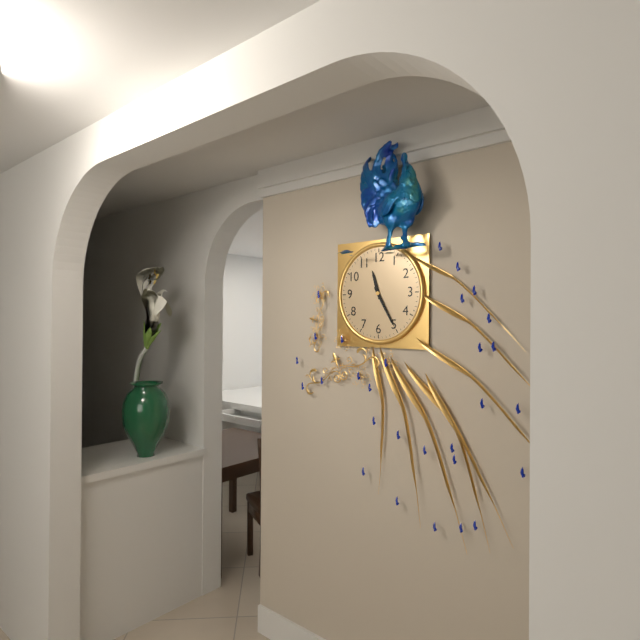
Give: 11h25
